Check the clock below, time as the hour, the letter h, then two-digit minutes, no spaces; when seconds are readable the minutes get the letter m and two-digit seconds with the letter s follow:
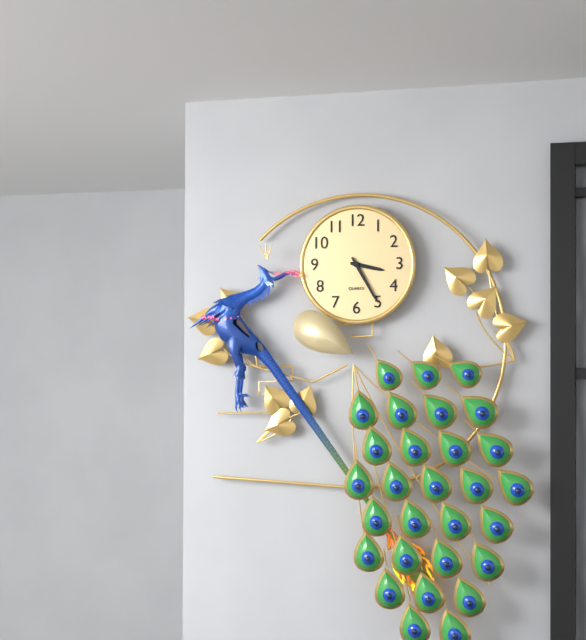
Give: 3h25
